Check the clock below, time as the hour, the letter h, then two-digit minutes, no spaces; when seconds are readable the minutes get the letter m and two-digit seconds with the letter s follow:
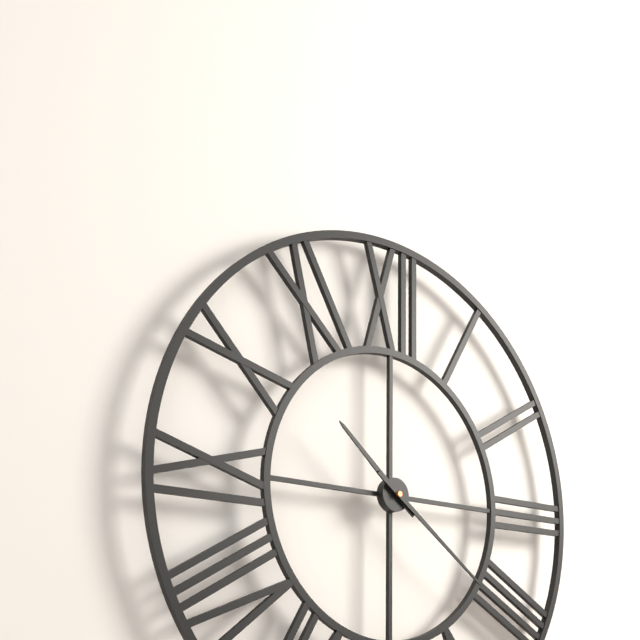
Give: 10h21
